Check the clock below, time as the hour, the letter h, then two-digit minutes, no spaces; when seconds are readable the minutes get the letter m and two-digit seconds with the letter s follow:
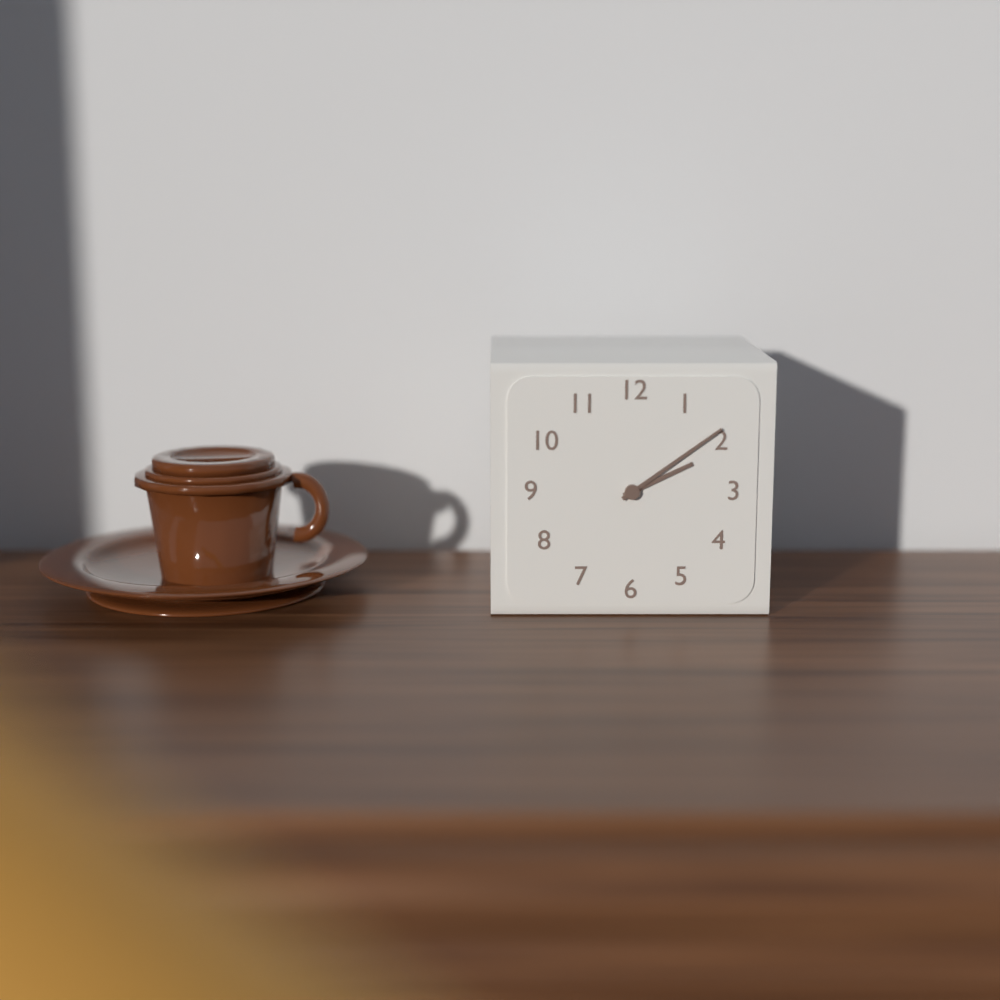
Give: 2h09
